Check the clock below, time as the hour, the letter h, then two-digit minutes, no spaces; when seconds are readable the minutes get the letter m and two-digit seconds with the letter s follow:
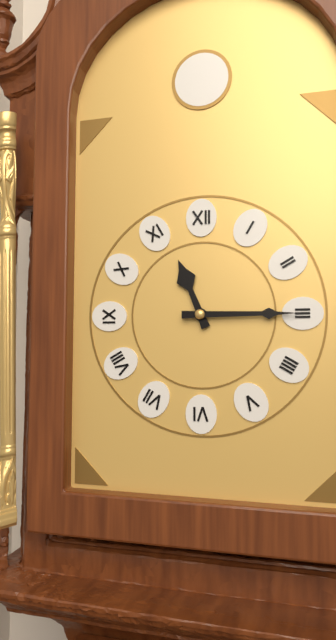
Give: 11h15
